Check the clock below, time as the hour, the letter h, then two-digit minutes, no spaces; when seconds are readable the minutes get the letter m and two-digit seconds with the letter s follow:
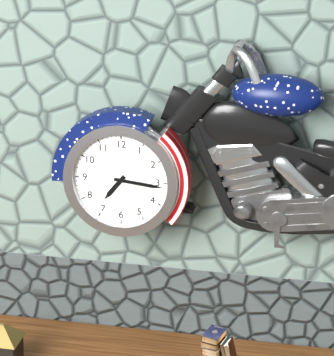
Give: 7h16
